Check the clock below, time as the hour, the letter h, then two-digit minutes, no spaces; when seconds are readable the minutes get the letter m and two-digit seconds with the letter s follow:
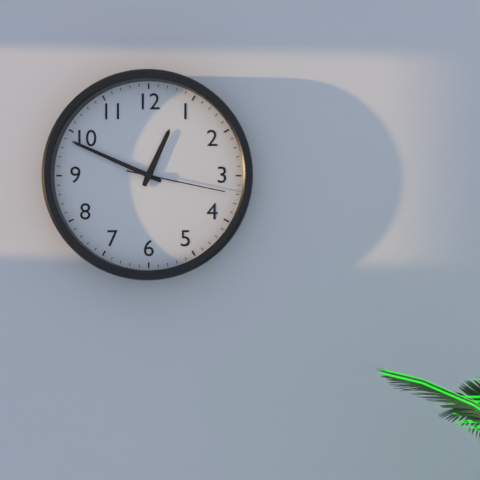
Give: 12h49m17s
